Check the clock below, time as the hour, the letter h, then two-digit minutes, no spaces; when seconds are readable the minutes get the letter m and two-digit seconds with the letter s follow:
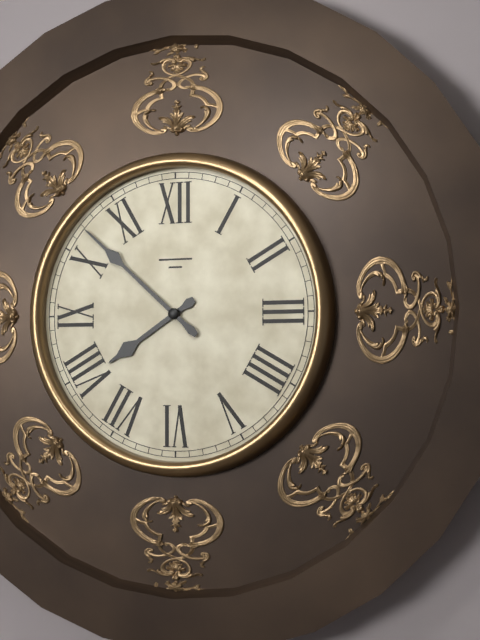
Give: 7h52
